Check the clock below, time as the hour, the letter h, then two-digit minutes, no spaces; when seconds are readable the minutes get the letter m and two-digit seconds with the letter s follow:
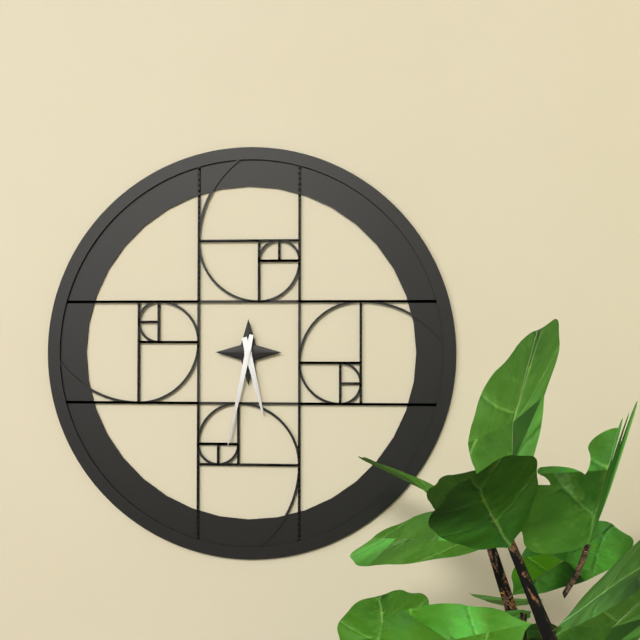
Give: 5h32
